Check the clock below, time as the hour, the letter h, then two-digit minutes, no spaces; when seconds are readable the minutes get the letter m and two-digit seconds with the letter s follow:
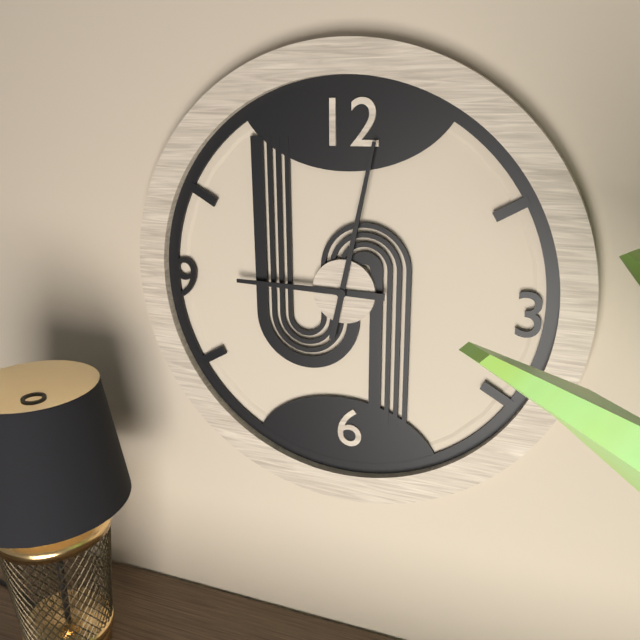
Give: 9h02
